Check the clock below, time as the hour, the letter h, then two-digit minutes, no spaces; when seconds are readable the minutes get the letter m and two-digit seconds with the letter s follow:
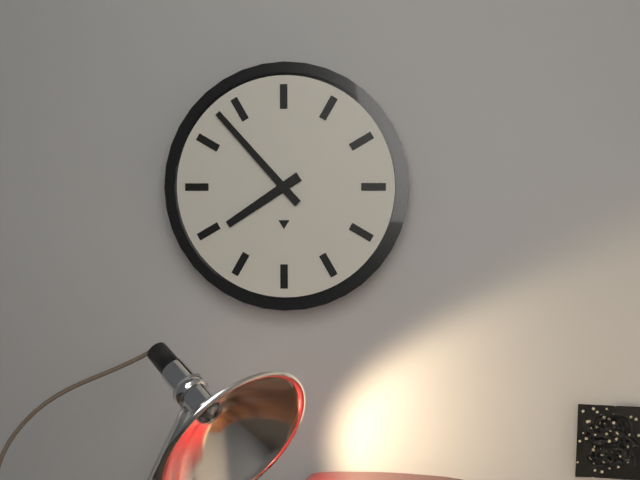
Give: 7h53
